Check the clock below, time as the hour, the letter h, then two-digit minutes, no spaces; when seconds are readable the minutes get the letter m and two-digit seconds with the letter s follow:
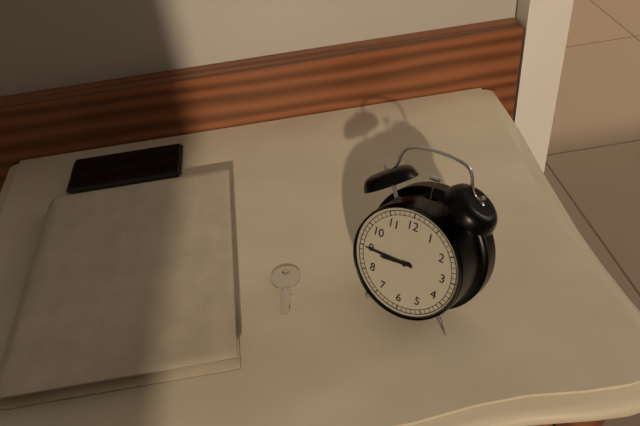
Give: 8h45
